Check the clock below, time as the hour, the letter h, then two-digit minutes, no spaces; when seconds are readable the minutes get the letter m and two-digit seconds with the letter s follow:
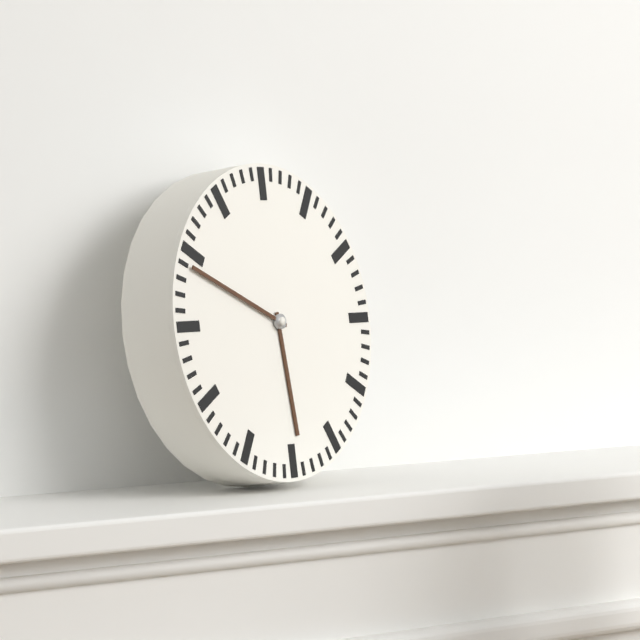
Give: 5h49
